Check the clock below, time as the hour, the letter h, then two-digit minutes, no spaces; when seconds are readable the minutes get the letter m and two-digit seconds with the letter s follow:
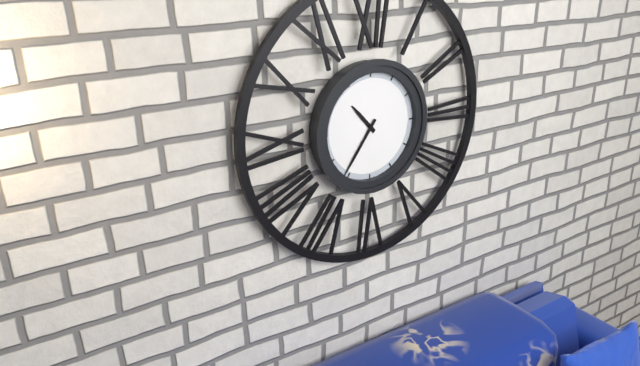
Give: 10h36
